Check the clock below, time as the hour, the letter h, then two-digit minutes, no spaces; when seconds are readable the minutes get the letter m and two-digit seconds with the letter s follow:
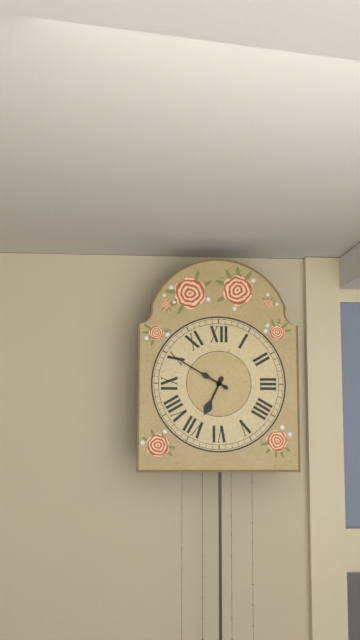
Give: 6h50
